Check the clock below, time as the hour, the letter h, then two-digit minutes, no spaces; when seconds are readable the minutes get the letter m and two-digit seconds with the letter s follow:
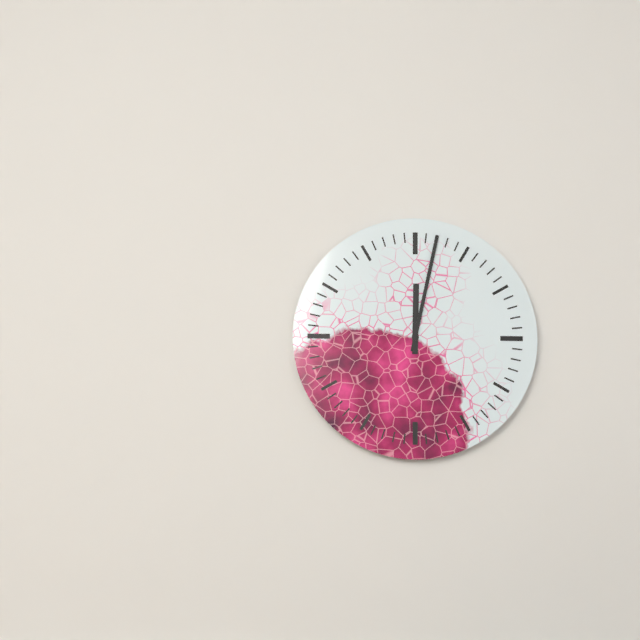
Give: 12h02
